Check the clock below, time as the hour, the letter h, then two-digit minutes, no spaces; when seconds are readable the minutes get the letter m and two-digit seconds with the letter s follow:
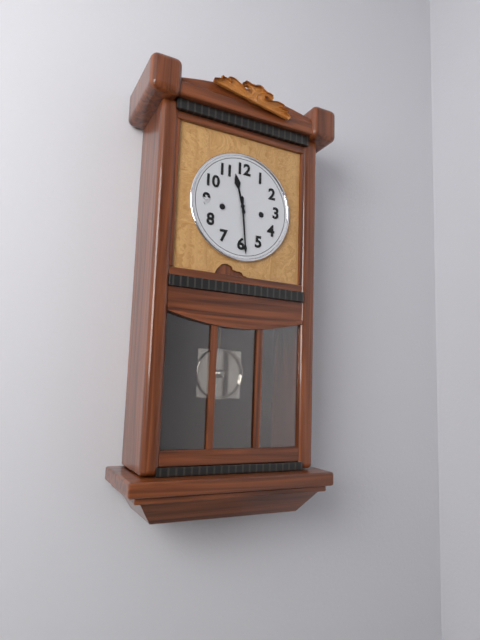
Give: 11h29
